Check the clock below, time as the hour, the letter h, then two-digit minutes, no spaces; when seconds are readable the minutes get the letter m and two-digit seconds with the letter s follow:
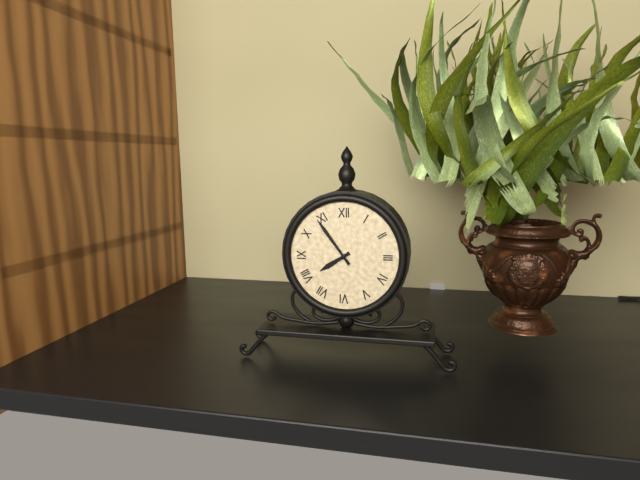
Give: 7h54
